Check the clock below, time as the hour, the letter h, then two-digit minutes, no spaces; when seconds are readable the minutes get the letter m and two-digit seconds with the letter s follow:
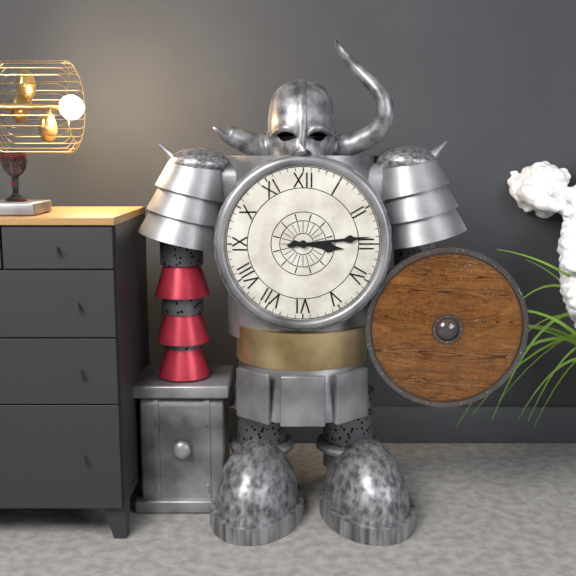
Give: 3h14
